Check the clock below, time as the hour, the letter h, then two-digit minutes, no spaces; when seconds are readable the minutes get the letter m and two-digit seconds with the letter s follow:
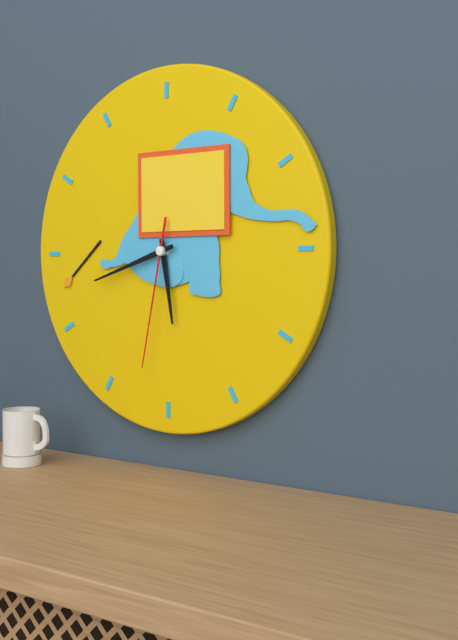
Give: 5h42m32s
